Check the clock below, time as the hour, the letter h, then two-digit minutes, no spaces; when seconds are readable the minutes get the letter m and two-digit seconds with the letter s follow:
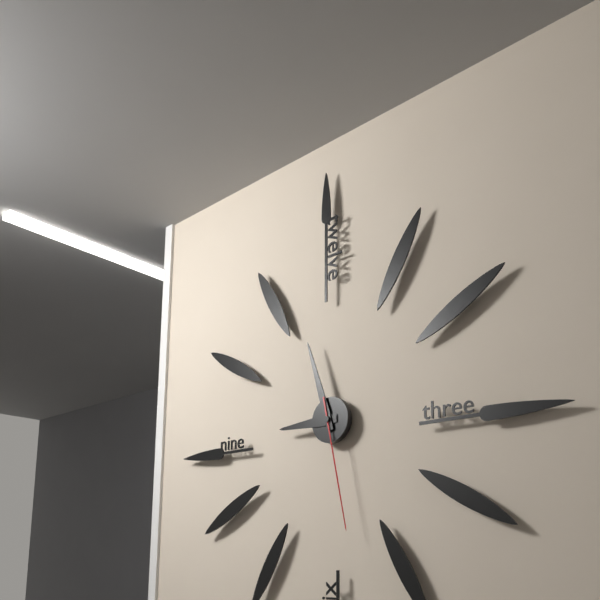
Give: 8h57m28s
